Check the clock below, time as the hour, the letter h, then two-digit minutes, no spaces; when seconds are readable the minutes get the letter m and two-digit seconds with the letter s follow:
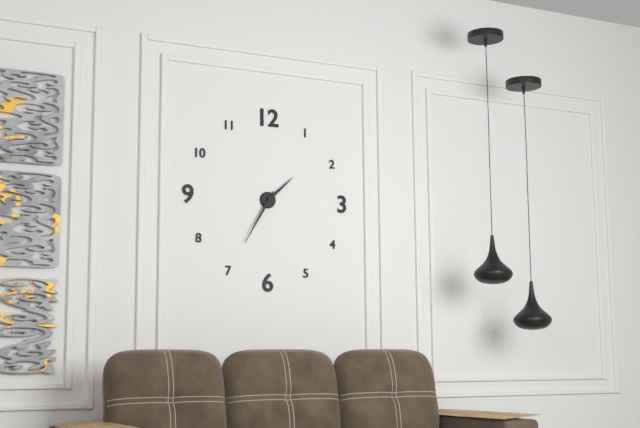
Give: 1h35
